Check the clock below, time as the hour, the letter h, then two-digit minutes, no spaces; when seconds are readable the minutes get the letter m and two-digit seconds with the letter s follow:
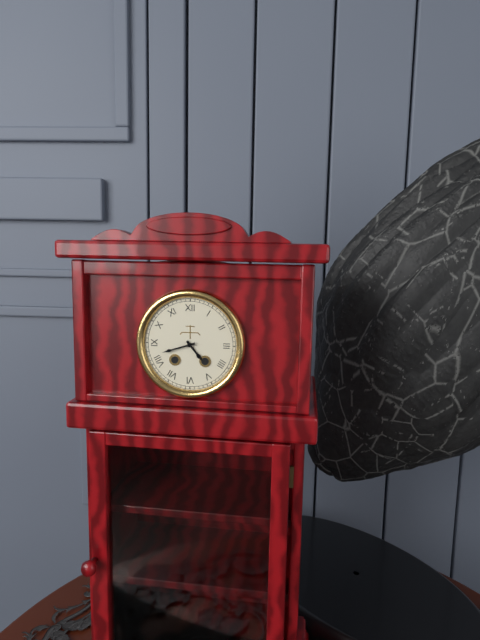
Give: 4h42
